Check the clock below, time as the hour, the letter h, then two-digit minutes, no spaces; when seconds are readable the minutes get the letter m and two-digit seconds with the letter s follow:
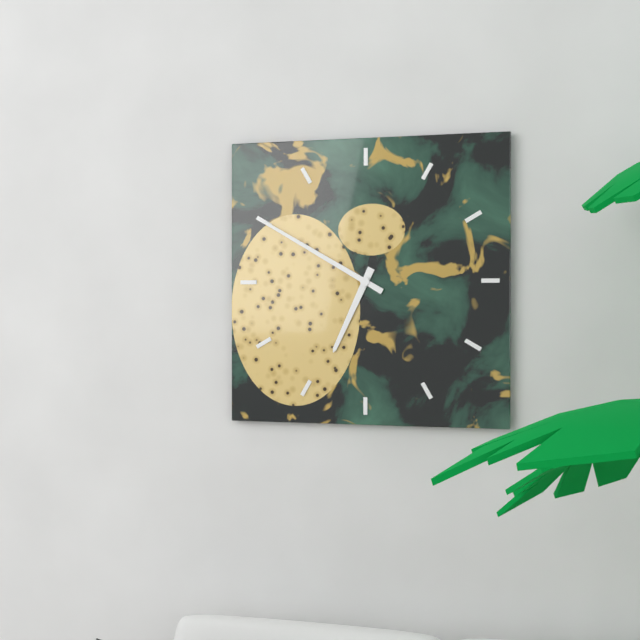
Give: 6h50
